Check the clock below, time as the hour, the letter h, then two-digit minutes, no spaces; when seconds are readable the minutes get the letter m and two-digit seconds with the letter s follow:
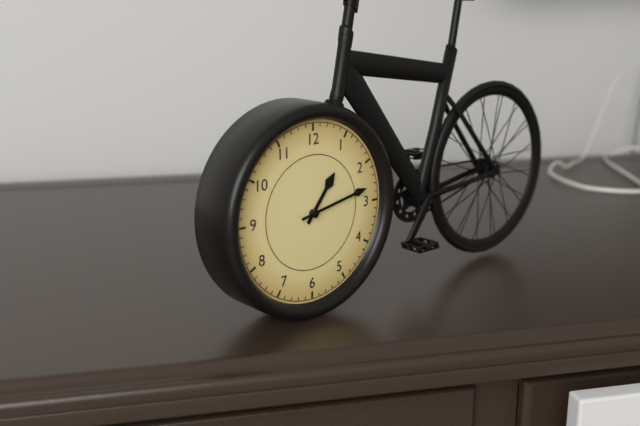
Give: 1h13
